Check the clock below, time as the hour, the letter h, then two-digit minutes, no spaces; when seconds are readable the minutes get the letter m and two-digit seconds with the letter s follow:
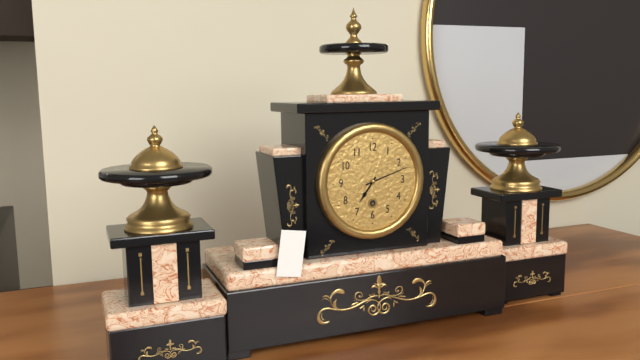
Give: 7h12
